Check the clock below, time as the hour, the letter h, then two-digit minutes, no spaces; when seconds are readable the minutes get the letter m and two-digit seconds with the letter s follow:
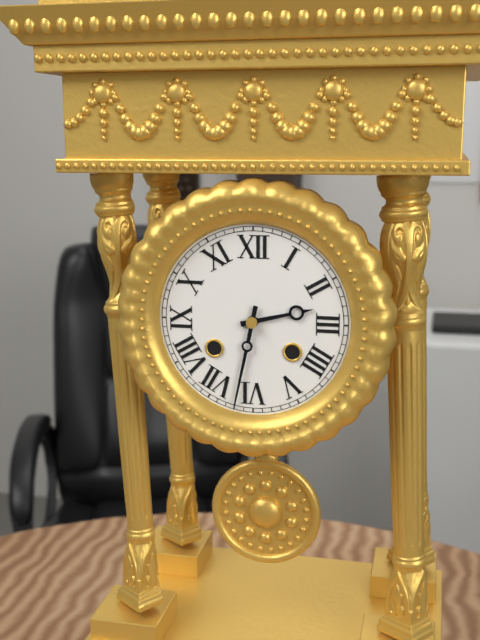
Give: 2h32
